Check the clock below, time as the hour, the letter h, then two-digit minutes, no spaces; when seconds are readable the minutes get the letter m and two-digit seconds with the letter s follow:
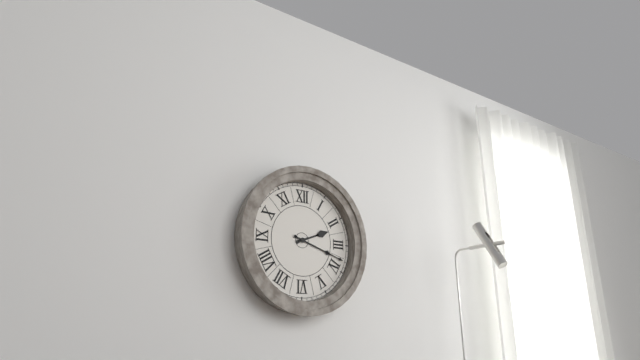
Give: 2h18
